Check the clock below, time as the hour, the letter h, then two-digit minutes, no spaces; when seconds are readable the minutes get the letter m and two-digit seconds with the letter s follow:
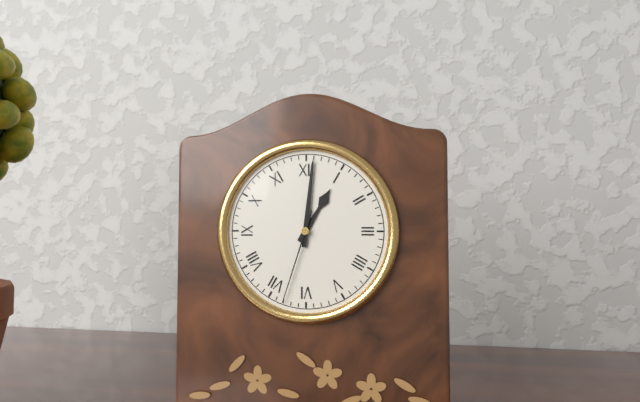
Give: 1h01m33s
